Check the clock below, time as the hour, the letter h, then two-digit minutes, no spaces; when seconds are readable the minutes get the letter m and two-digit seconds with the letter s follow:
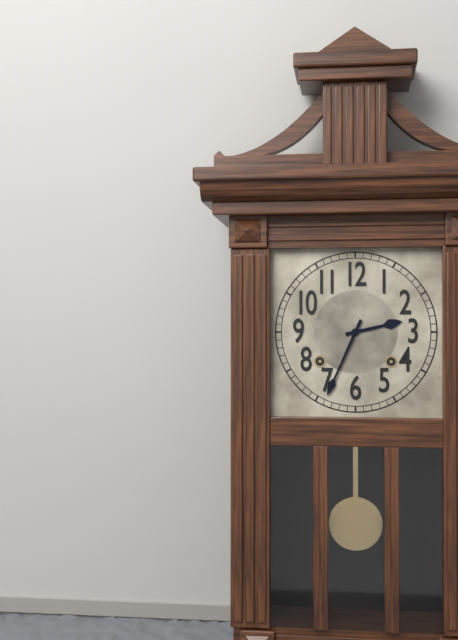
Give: 2h34
